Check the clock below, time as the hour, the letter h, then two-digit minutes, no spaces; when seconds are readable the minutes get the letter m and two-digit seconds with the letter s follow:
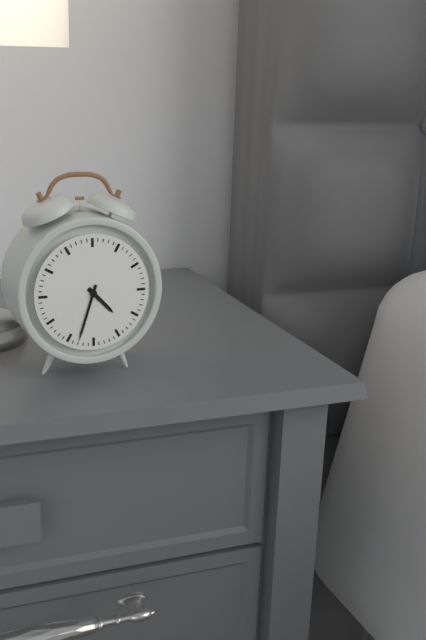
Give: 4h33
